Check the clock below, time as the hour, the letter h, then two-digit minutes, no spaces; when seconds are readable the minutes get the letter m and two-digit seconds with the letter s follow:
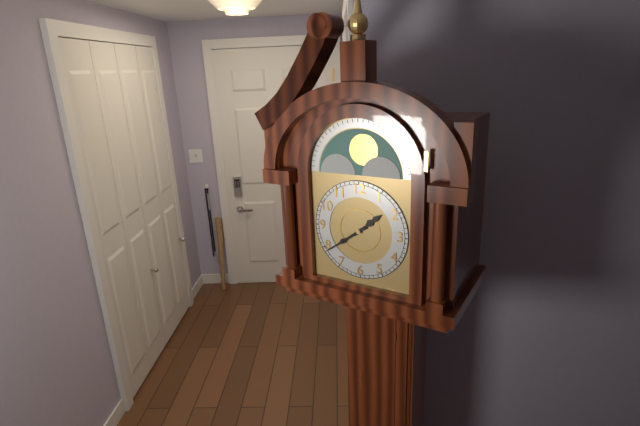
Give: 1h39
